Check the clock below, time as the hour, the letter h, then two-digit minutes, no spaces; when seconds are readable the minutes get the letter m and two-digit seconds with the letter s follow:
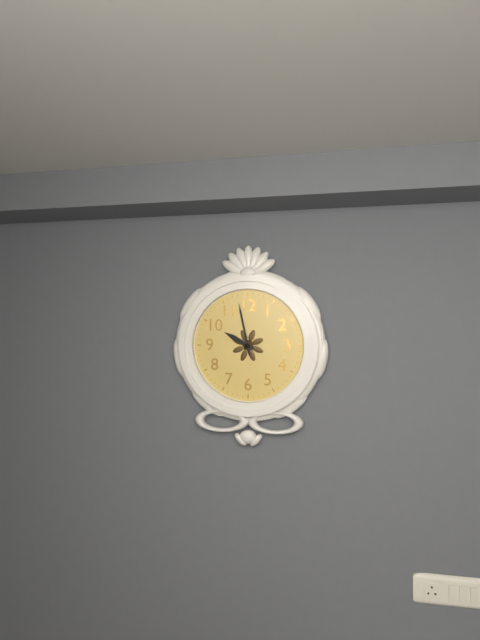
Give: 9h58
